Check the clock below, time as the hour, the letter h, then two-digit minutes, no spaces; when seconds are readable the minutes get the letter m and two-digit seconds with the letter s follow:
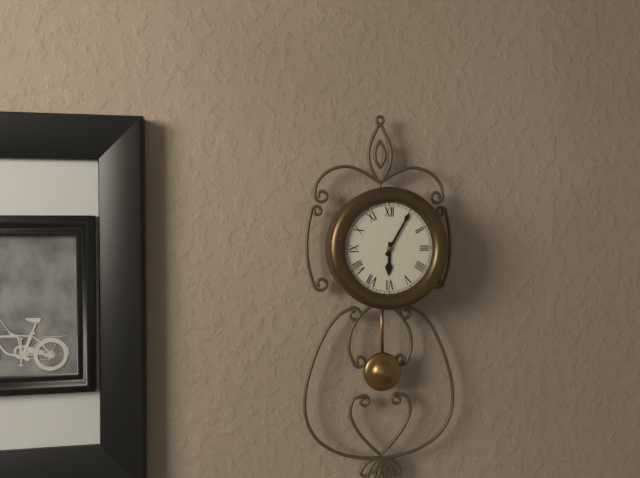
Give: 6h05
